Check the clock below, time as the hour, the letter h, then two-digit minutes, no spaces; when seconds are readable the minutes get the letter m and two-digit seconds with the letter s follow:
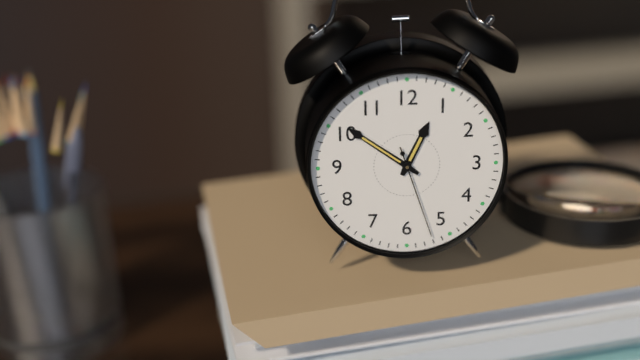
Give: 12h51m27s
